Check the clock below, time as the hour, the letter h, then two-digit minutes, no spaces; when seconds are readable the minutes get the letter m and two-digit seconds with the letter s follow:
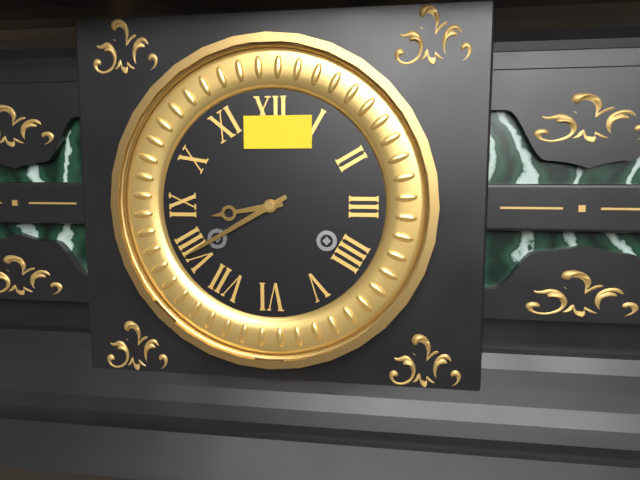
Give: 8h40
